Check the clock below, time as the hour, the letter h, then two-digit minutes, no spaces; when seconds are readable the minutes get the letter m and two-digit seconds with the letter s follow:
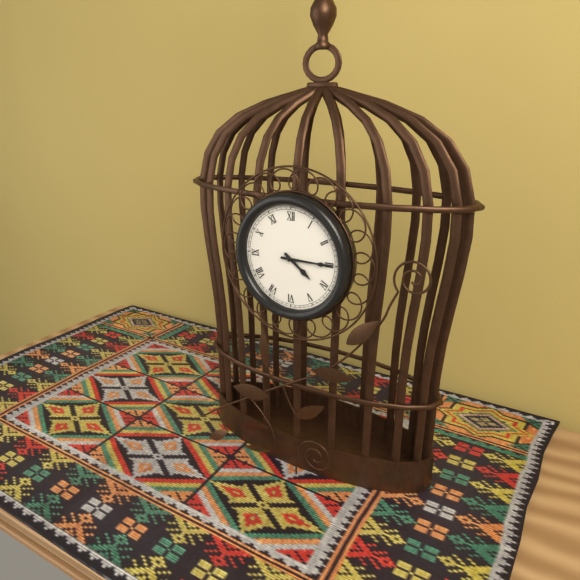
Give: 4h15
